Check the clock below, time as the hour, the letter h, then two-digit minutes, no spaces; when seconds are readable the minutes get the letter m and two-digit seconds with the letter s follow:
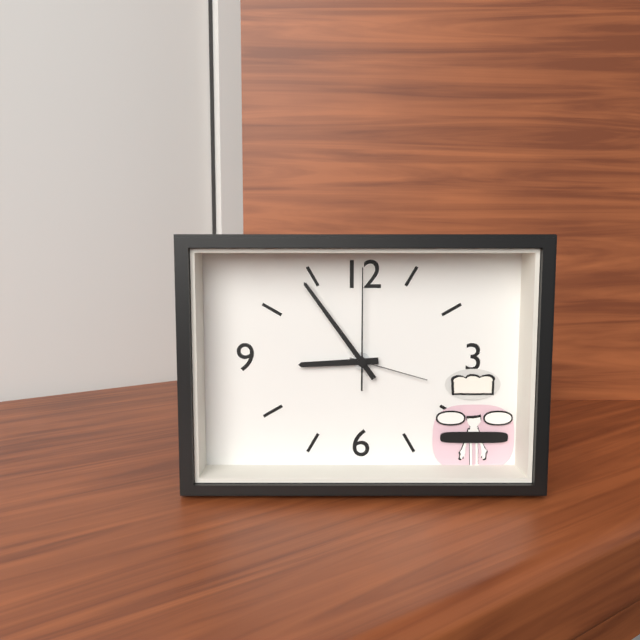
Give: 8h54m00s
